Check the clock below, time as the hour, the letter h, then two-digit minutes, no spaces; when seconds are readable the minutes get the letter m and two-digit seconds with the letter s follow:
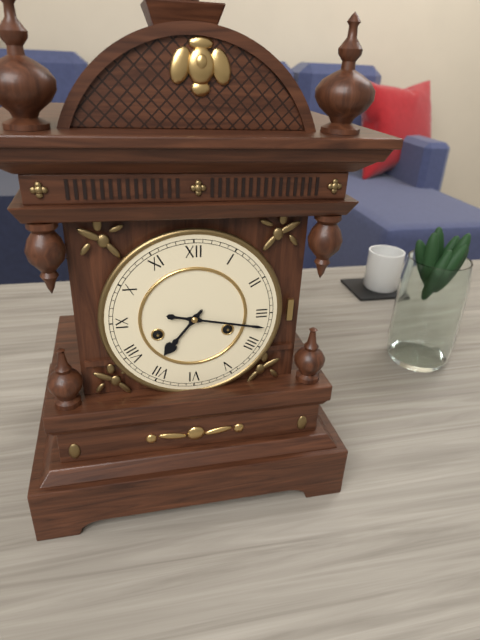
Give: 7h17
